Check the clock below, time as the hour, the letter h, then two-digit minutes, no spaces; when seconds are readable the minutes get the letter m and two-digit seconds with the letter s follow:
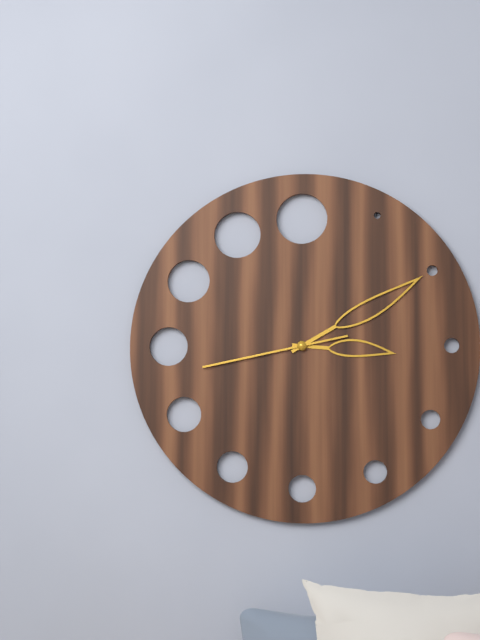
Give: 3h10m43s
